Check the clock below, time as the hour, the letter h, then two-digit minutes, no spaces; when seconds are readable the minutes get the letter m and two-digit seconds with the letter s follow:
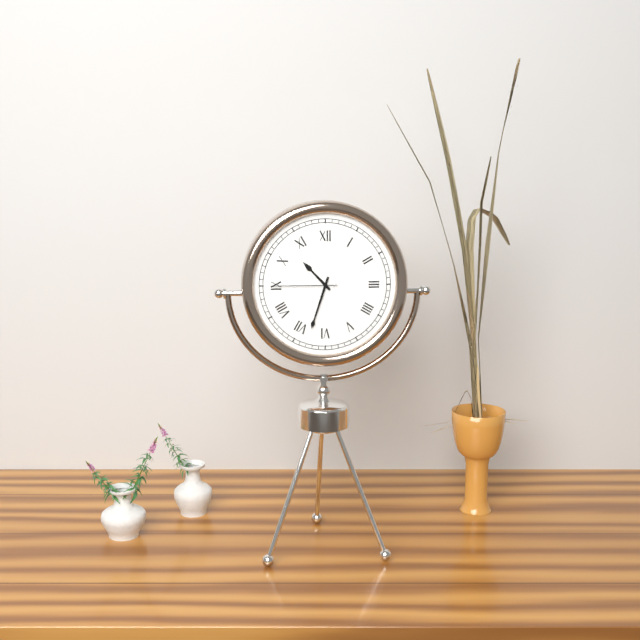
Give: 10h33m45s
